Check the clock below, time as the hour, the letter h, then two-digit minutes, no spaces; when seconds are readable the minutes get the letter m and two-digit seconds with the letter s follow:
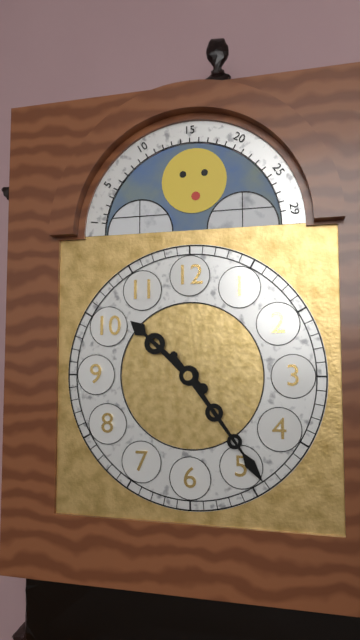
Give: 10h24
